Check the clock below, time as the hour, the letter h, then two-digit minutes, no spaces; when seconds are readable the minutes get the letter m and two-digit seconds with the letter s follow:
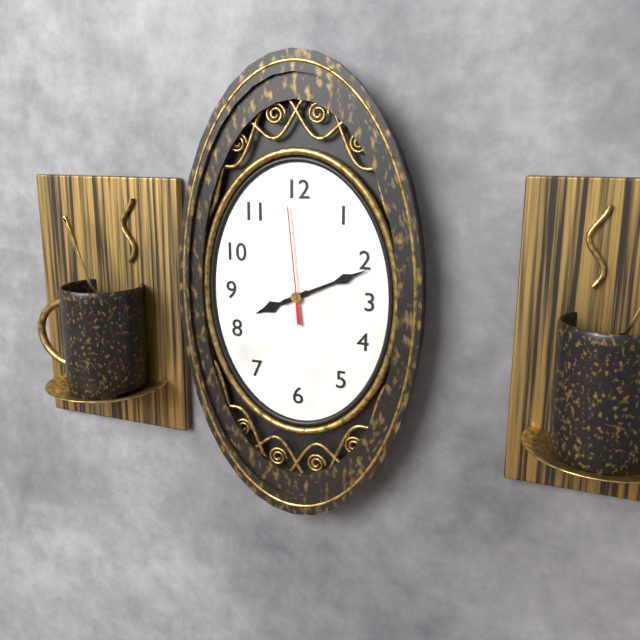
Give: 8h11m59s
